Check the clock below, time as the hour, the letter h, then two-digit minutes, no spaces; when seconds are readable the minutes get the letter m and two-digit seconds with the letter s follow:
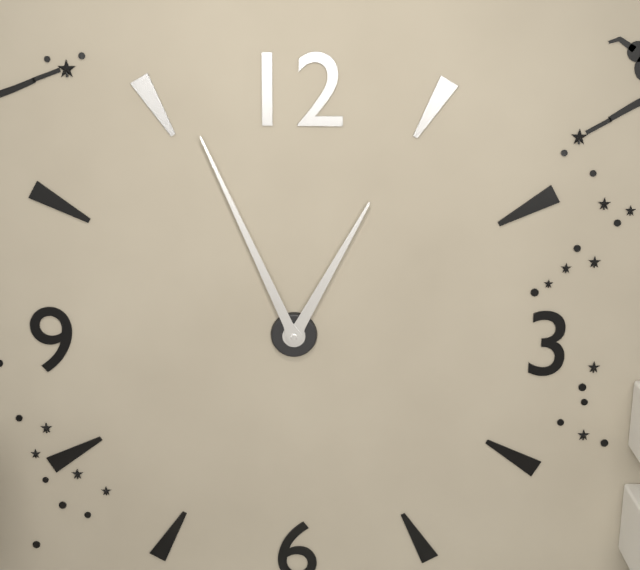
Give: 12h56
